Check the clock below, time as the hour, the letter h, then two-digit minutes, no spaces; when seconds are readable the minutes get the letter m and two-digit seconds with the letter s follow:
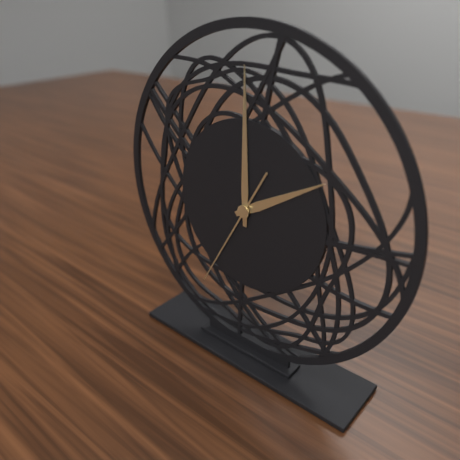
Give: 2h00m35s
